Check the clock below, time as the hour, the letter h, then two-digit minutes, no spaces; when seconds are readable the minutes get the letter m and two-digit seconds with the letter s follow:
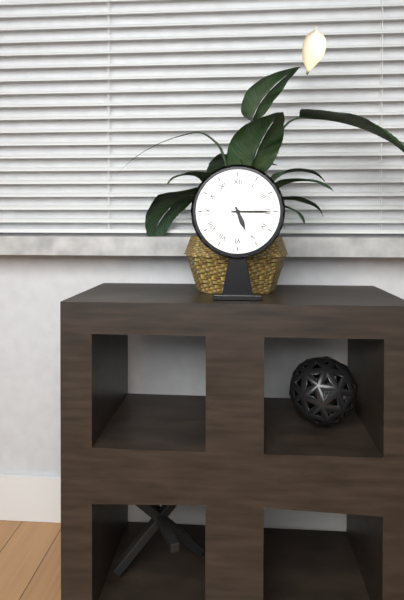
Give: 5h15
